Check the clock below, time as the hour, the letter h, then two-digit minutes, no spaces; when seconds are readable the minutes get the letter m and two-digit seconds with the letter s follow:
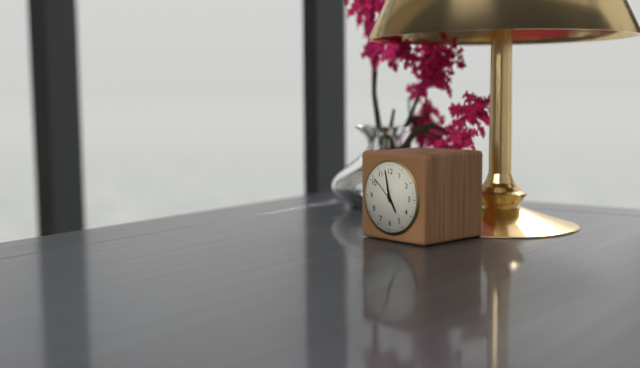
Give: 4h58
